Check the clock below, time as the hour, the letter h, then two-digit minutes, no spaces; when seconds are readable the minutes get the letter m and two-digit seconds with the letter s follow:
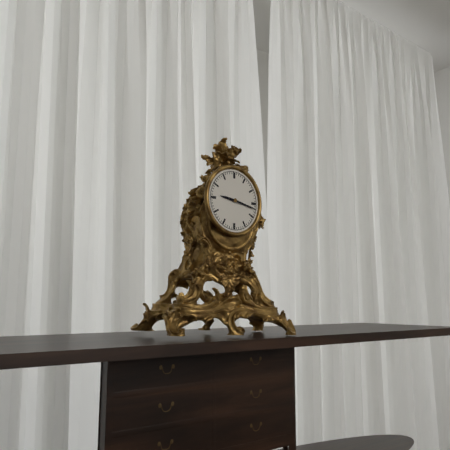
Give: 9h17
